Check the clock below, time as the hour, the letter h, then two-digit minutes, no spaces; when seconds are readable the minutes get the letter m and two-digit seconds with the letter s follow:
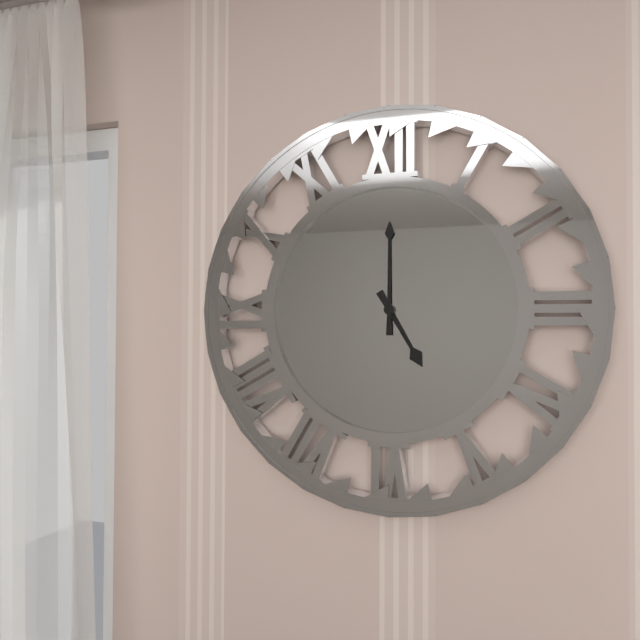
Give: 5h00
